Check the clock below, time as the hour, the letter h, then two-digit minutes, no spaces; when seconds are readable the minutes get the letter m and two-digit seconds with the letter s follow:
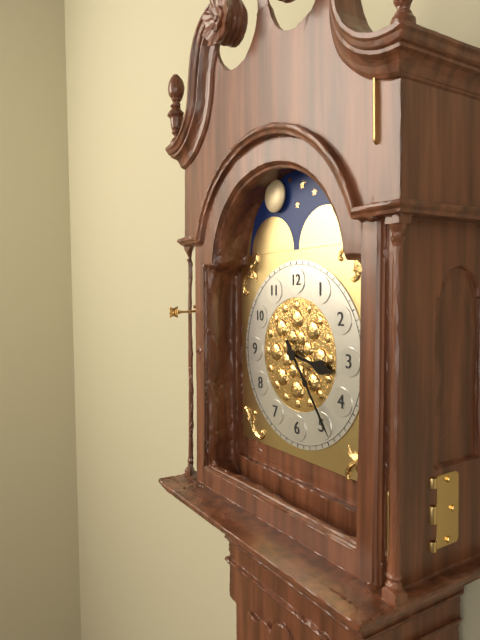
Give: 3h24
